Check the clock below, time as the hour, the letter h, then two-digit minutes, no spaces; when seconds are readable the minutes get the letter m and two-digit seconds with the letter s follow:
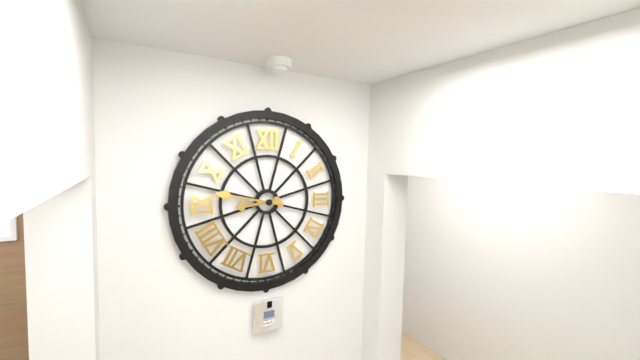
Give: 8h47
